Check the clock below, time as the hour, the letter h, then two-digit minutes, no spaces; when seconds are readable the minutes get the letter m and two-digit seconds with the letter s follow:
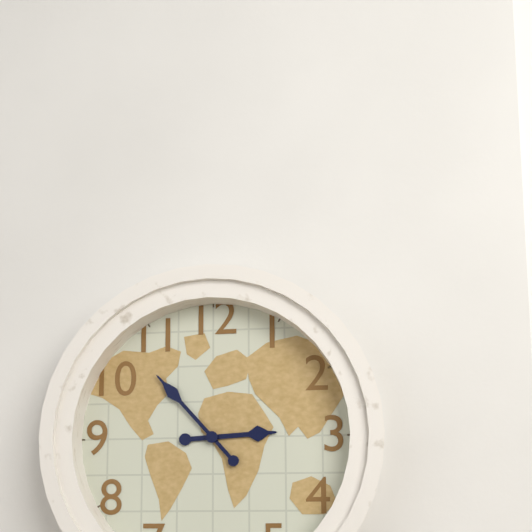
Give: 2h53
